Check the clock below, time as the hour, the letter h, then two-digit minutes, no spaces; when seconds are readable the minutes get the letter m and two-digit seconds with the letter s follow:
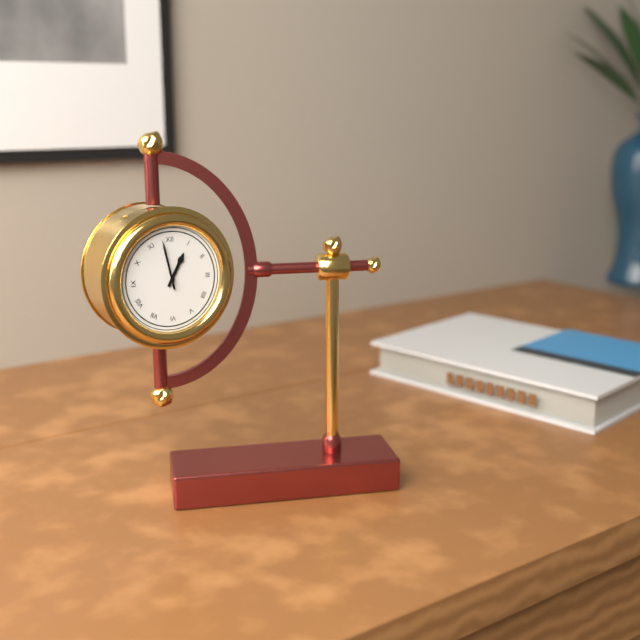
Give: 12h58
